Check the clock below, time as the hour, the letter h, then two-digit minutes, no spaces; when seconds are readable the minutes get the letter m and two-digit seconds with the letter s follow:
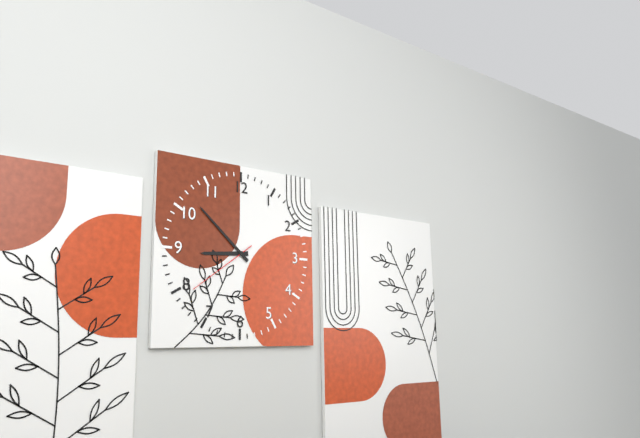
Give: 8h52m39s
